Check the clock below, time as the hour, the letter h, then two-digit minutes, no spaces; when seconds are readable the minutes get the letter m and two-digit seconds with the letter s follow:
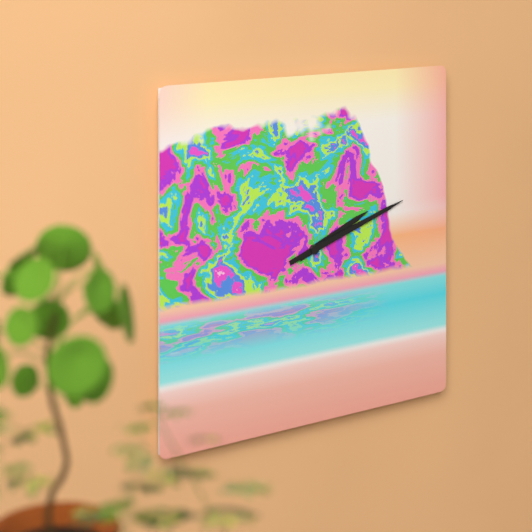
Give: 2h12
